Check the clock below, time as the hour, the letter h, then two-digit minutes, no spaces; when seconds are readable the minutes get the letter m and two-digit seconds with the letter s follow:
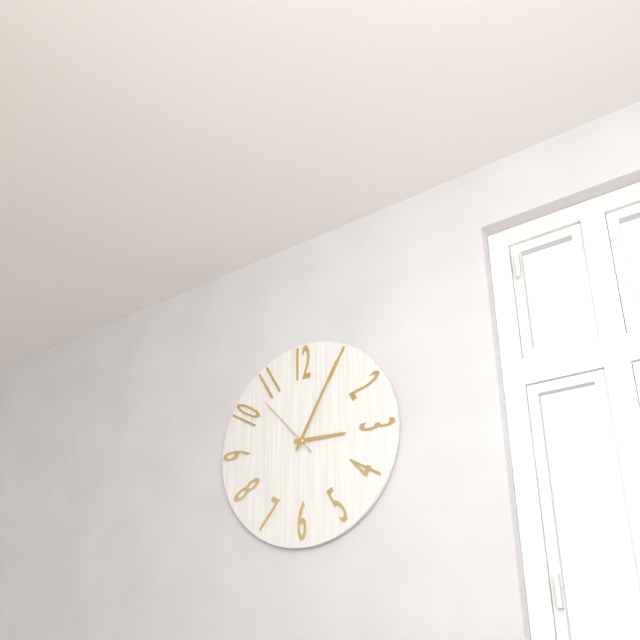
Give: 3h05m53s
